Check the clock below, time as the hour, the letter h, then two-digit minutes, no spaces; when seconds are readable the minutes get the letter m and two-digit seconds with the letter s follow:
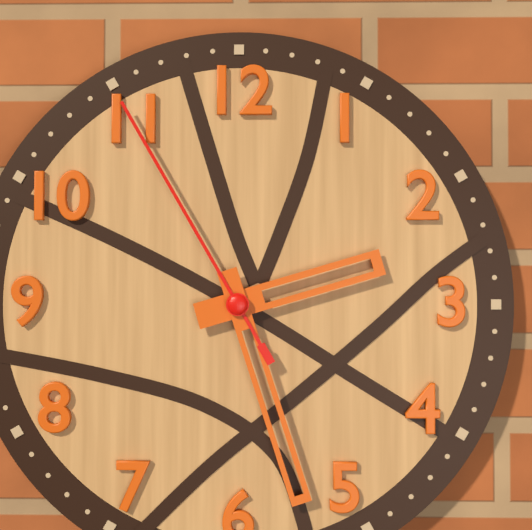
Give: 2h27m55s
